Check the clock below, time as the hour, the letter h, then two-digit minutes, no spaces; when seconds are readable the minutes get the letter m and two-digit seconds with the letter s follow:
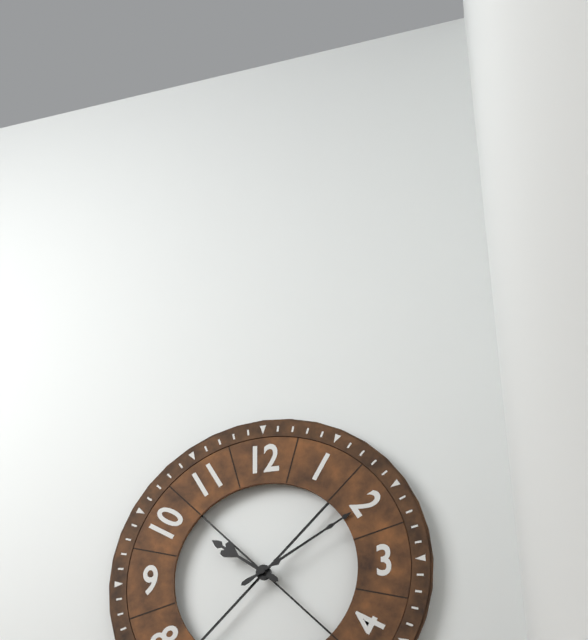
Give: 10h10
